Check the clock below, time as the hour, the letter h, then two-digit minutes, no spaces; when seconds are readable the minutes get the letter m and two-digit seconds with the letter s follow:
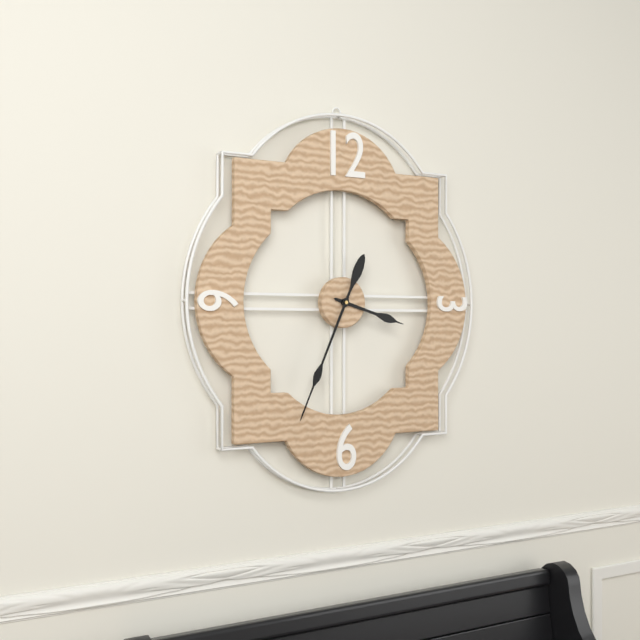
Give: 3h34
